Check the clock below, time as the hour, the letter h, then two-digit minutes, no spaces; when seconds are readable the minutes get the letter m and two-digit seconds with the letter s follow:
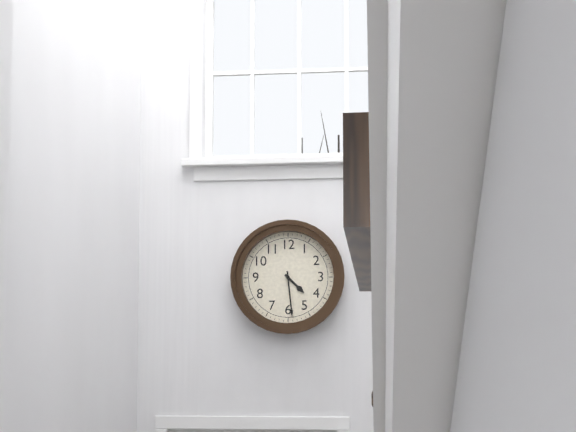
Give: 4h29
